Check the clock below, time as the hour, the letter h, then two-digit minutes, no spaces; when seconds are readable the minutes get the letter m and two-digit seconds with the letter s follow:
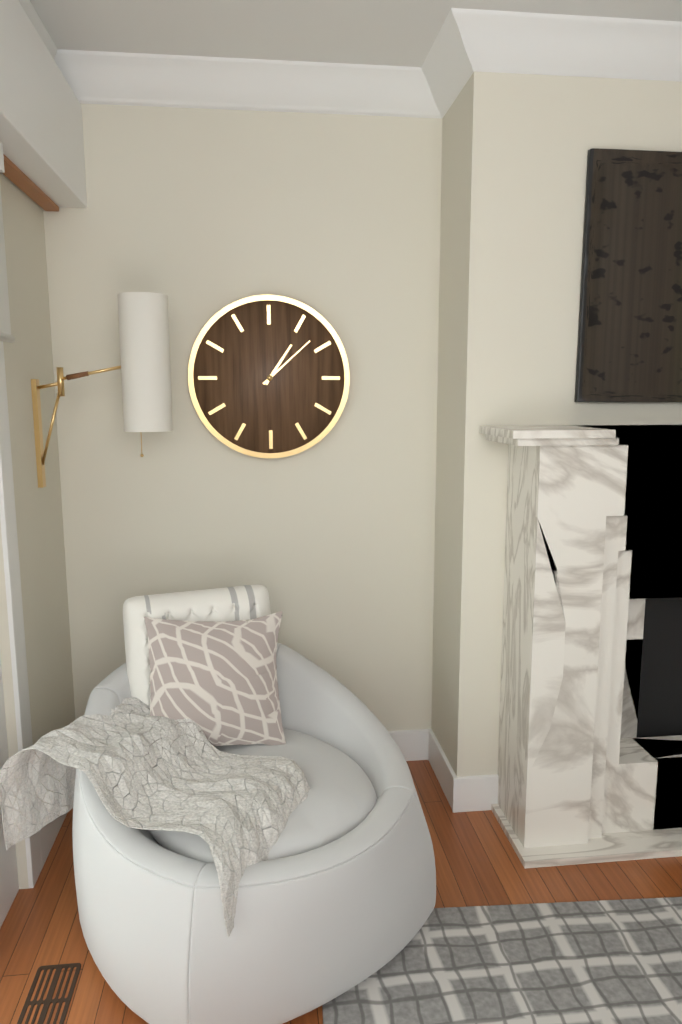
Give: 1h08
